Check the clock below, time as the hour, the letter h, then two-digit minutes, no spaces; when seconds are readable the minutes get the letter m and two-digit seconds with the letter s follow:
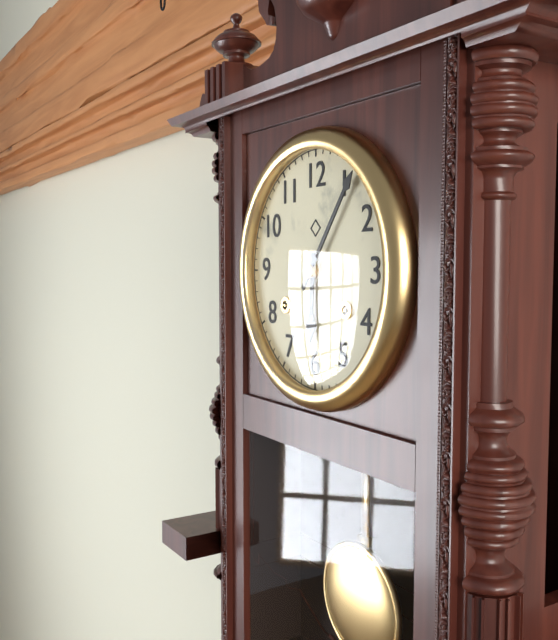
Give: 6h06
